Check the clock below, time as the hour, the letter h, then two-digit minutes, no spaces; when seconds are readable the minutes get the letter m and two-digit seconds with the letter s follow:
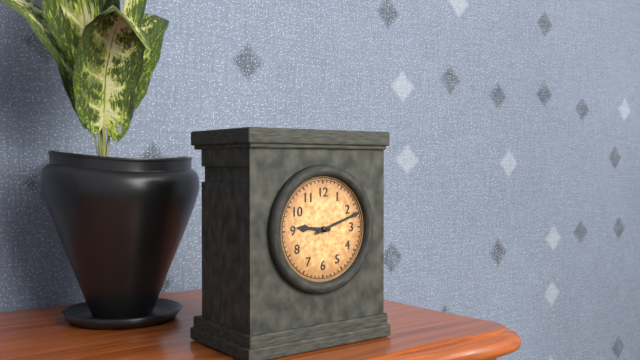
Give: 9h12
